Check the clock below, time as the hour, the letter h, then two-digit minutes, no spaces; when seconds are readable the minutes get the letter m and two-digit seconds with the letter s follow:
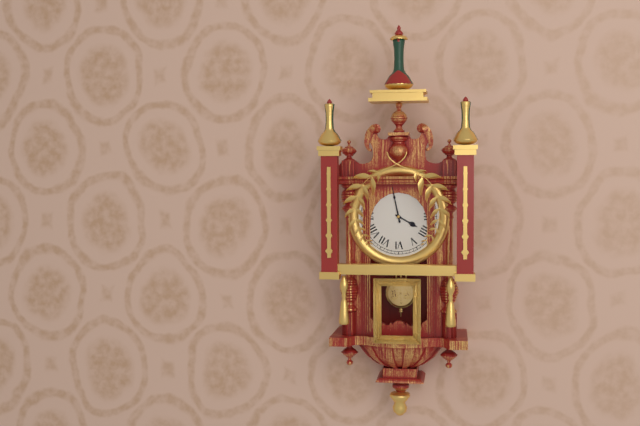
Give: 3h58
